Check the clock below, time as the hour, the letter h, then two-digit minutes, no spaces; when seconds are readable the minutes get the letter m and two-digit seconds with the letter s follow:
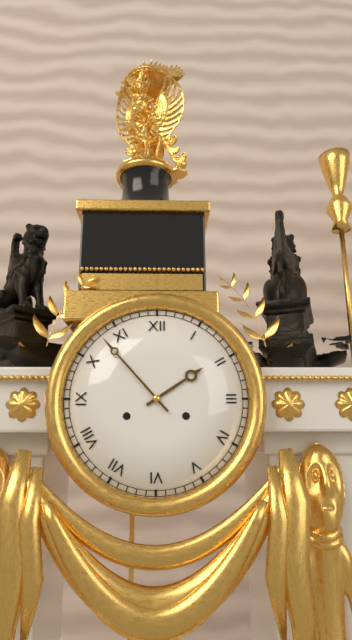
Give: 1h53
